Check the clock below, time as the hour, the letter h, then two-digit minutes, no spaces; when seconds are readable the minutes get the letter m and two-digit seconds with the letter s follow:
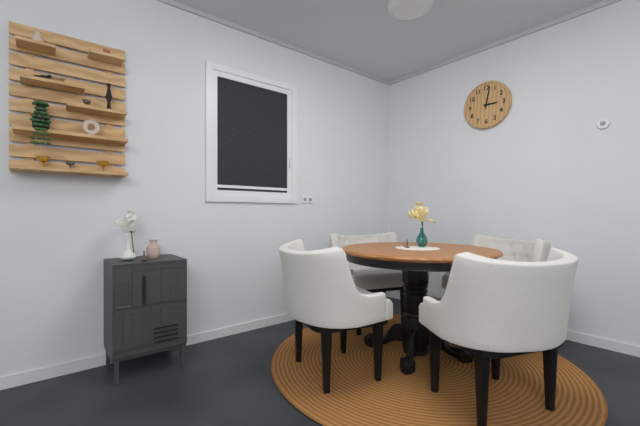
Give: 3h02
